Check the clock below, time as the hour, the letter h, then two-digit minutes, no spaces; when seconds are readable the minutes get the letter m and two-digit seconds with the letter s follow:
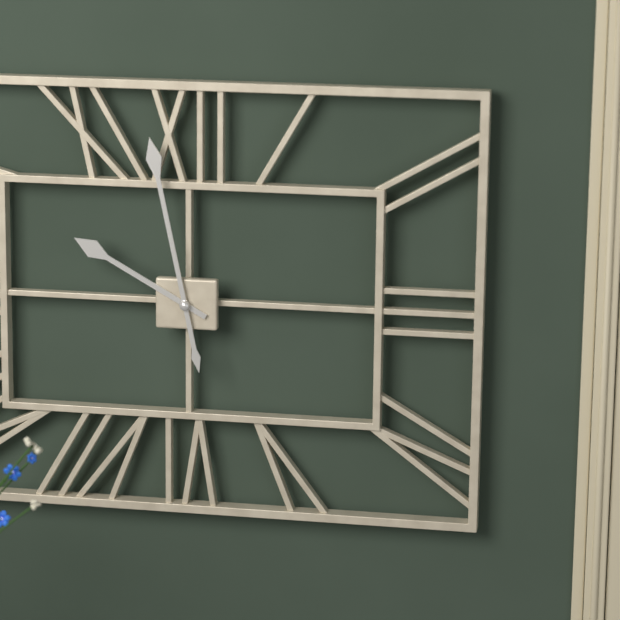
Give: 9h58
